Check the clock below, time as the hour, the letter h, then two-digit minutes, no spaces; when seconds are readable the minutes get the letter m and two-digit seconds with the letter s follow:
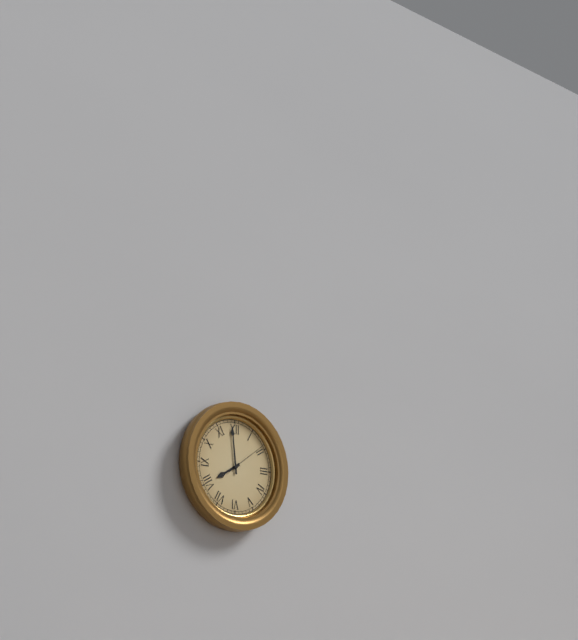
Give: 7h59
